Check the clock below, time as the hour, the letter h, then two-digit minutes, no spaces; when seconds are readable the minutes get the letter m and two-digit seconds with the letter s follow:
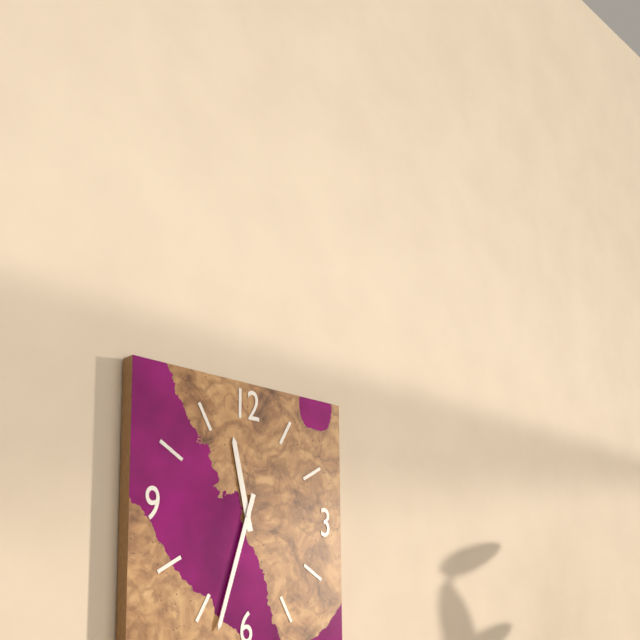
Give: 11h33
